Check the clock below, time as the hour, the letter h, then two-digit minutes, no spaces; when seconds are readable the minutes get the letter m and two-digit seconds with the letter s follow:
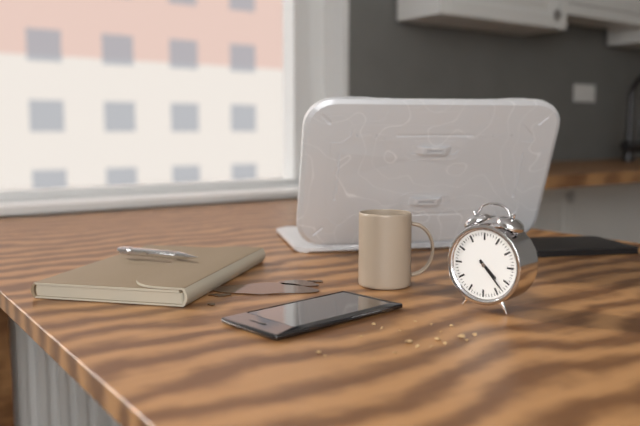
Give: 4h23
